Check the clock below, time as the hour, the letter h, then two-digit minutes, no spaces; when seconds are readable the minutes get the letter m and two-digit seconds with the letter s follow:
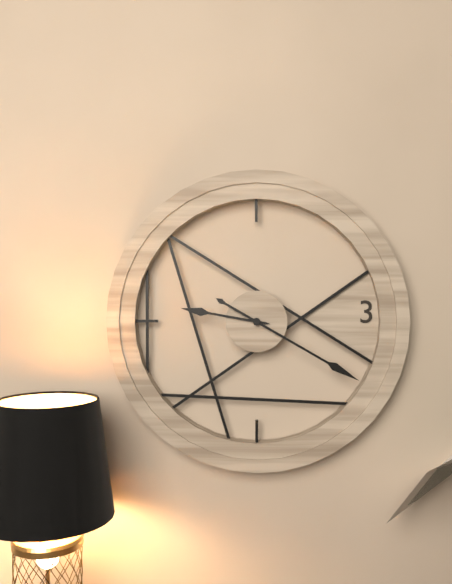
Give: 9h20
